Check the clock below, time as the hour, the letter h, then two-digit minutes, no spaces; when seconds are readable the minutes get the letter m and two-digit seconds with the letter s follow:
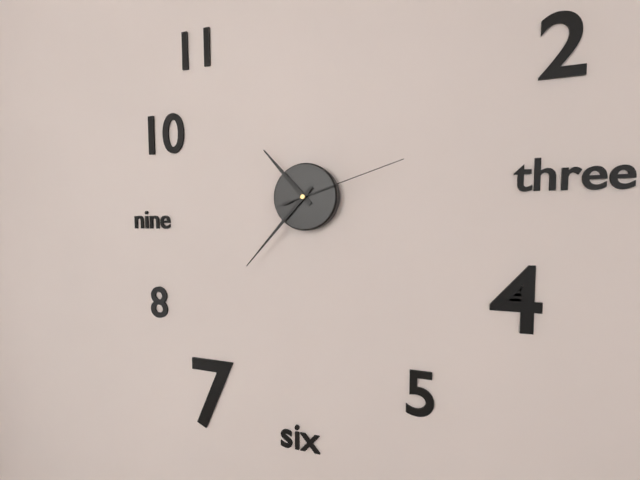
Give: 10h37m12s
